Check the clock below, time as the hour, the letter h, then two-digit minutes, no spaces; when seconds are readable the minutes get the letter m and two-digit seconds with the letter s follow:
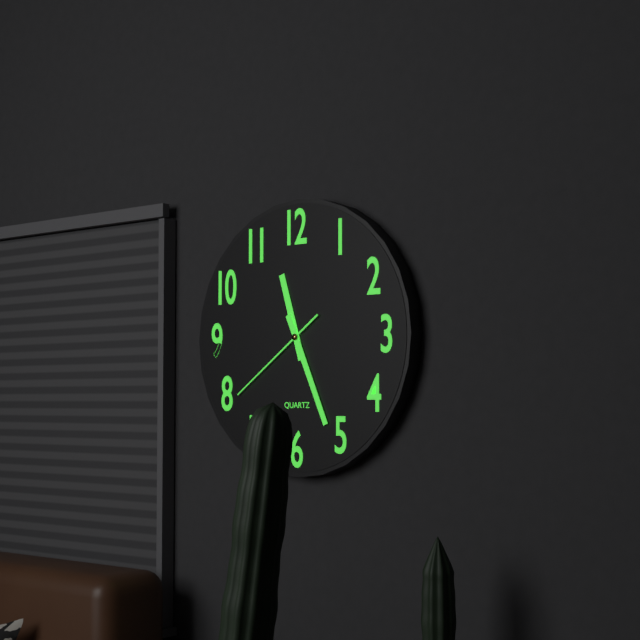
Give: 11h26m39s
